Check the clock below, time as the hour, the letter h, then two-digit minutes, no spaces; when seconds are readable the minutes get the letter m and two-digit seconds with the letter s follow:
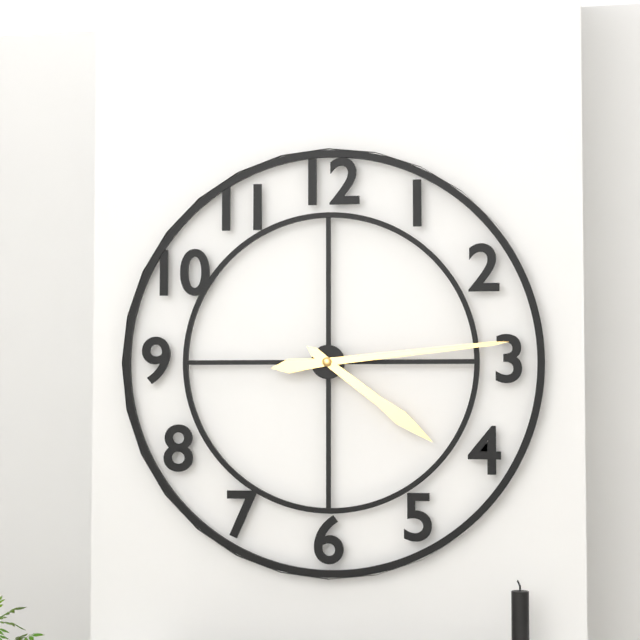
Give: 4h14
